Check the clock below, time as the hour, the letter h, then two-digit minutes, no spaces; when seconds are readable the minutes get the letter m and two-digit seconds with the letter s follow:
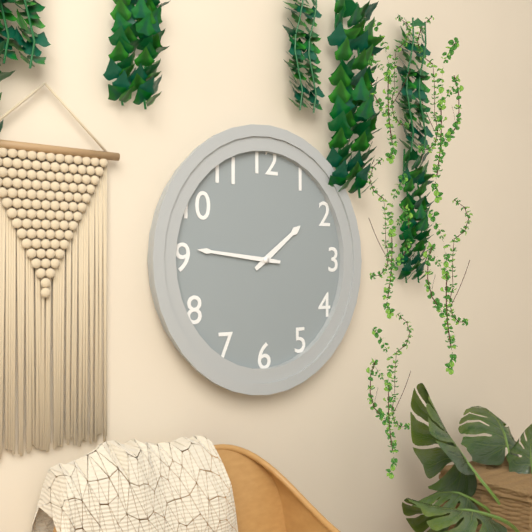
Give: 1h46
